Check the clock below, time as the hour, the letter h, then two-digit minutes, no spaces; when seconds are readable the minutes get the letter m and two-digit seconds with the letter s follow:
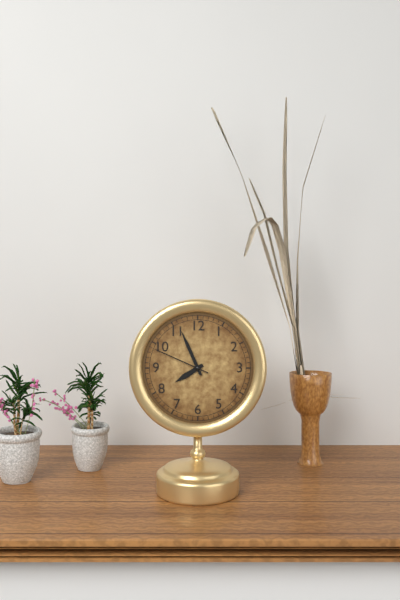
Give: 7h56m49s
